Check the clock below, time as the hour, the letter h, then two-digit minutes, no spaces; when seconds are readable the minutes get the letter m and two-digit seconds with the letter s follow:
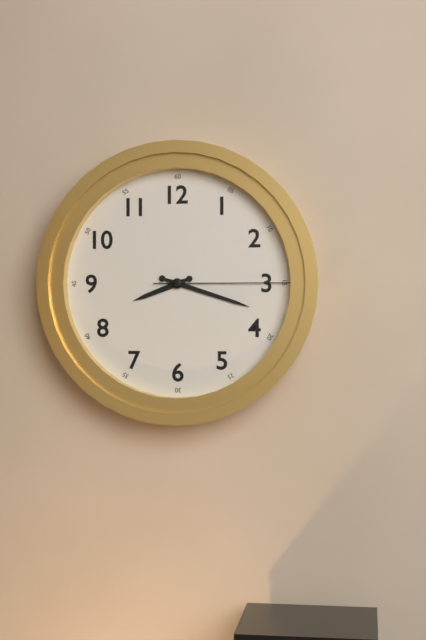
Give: 8h18m15s
